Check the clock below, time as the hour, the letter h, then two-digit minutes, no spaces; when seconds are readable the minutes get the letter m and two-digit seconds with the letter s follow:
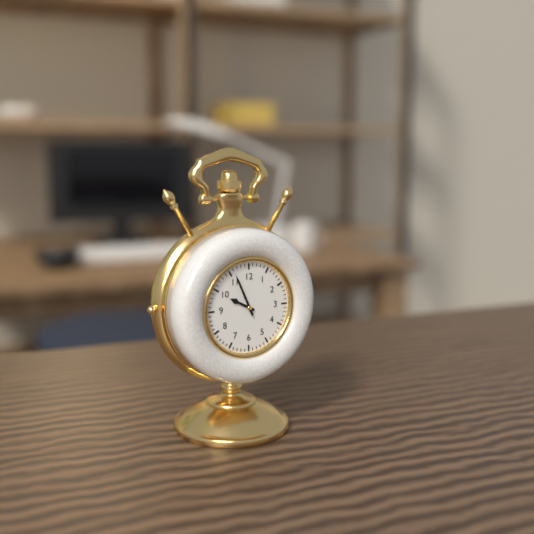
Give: 9h56
